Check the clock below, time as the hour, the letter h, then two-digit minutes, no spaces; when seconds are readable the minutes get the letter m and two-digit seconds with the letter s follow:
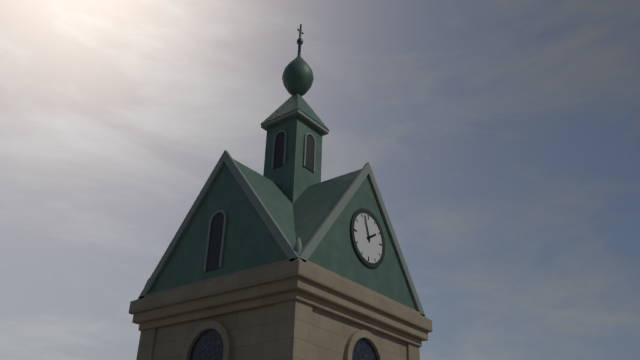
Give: 1h57
